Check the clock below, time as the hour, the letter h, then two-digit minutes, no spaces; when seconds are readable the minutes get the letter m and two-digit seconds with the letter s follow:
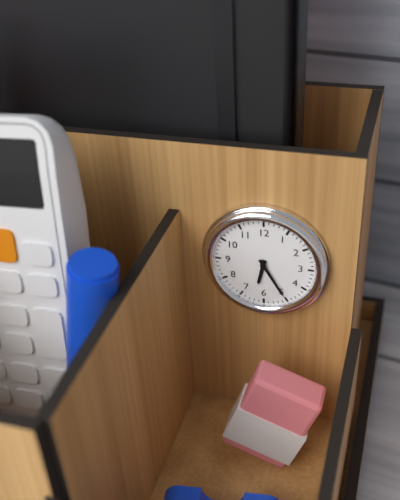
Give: 6h25
